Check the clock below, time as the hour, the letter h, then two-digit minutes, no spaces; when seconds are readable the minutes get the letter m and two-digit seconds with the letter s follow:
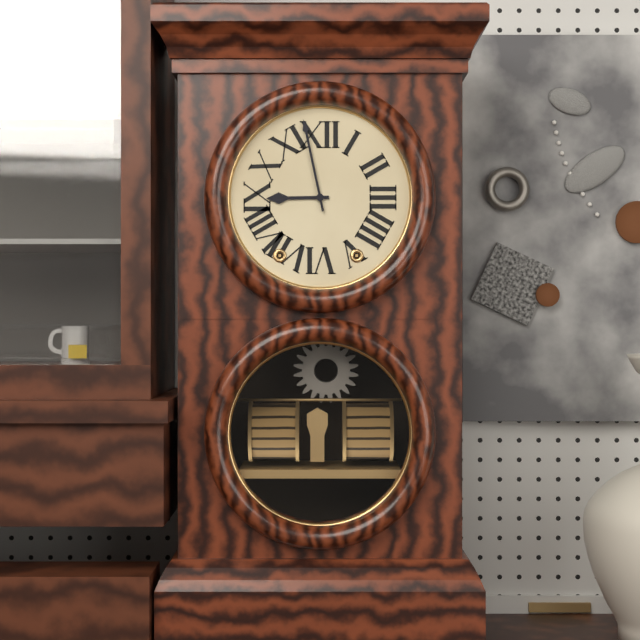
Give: 8h58
